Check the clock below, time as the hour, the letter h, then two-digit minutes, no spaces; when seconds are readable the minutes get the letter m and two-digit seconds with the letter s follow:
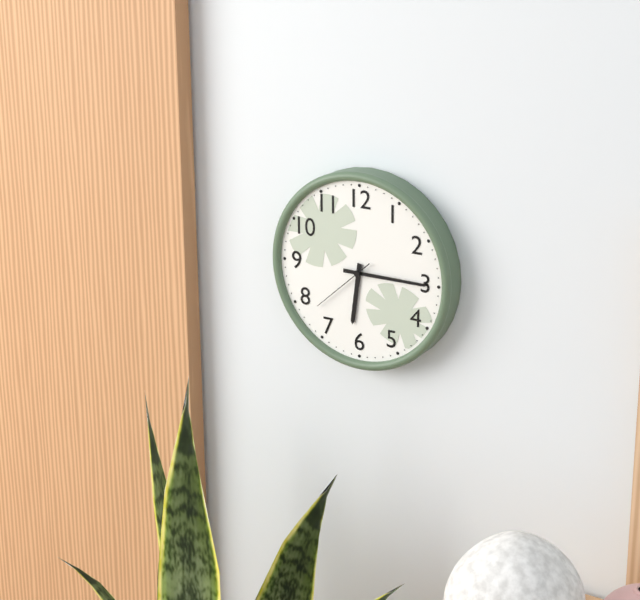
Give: 6h15m38s
